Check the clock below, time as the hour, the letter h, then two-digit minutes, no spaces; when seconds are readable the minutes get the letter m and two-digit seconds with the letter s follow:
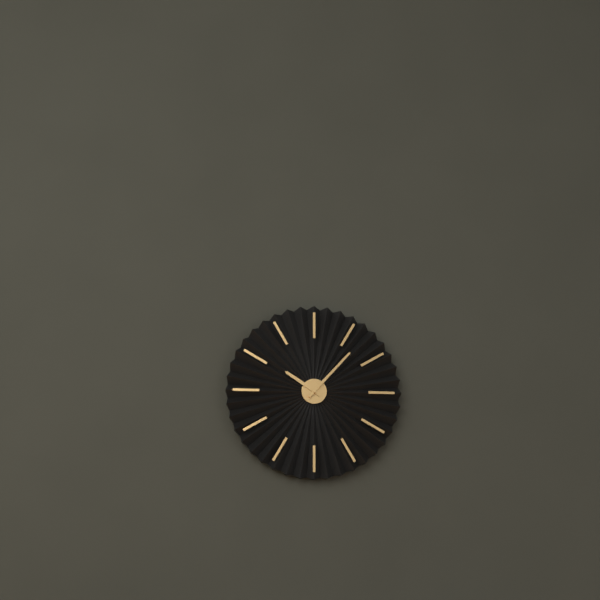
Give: 10h07
